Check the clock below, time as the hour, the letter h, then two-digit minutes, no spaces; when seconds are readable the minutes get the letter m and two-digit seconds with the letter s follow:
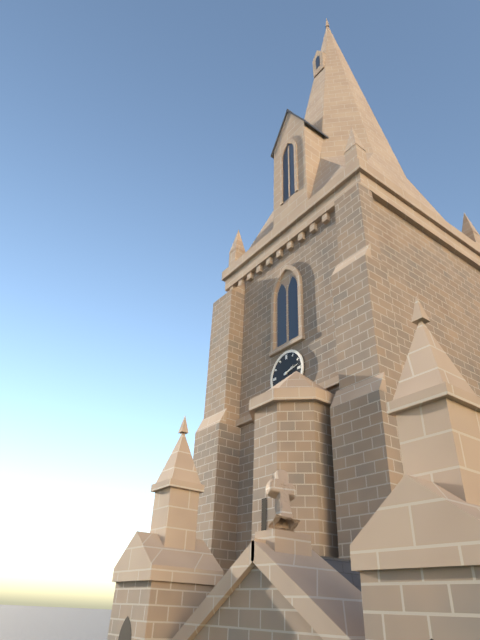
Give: 2h13
